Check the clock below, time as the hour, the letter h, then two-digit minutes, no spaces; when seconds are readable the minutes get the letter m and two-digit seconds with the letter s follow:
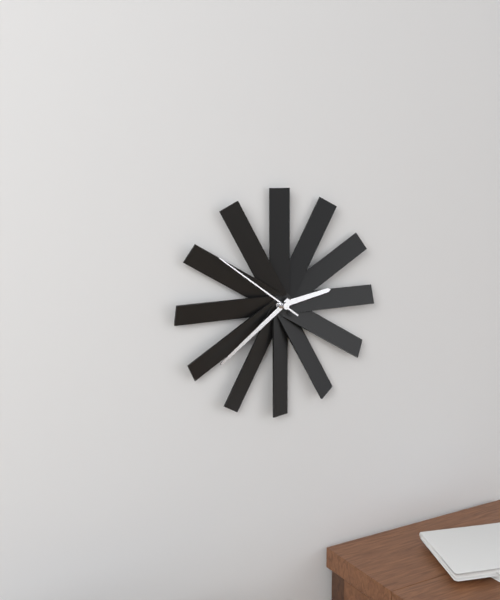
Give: 2h39m51s
